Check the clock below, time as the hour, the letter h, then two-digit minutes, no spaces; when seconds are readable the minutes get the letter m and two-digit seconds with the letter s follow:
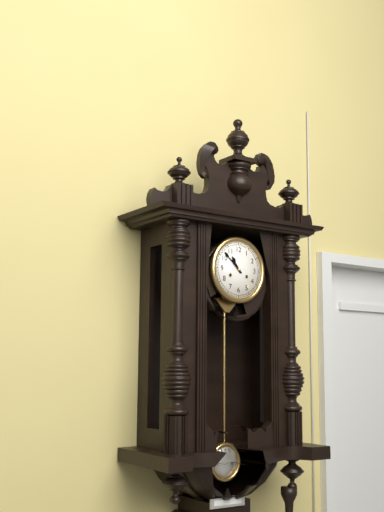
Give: 10h52
